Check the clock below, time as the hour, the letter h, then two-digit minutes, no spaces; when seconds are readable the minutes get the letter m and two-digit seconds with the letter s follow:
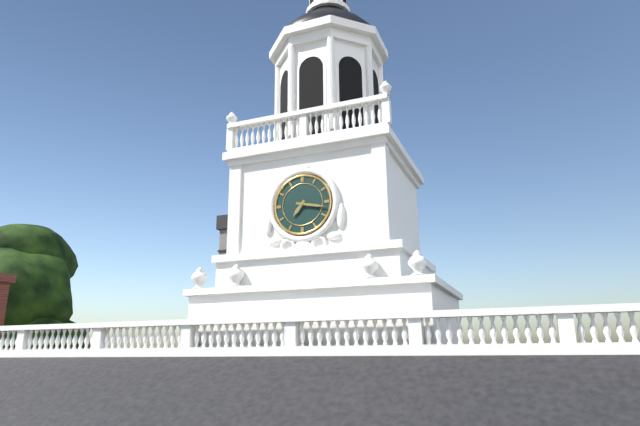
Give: 7h17
